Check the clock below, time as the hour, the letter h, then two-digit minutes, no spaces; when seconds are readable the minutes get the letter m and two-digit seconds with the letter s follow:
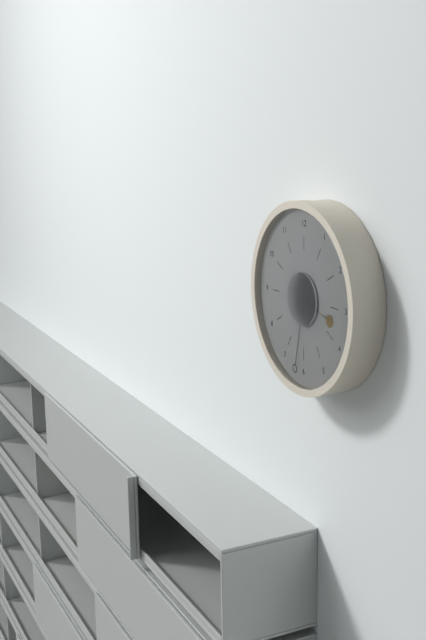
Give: 3h32
